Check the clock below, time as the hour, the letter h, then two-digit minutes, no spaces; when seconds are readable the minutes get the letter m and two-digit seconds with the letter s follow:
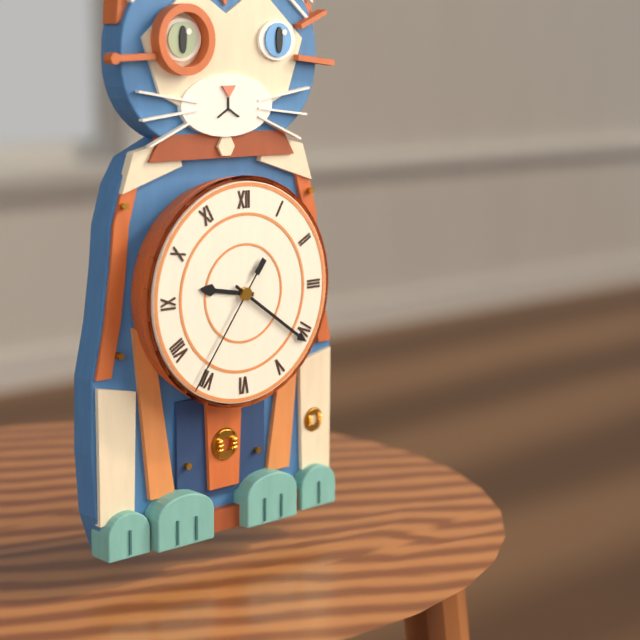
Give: 9h21m36s
